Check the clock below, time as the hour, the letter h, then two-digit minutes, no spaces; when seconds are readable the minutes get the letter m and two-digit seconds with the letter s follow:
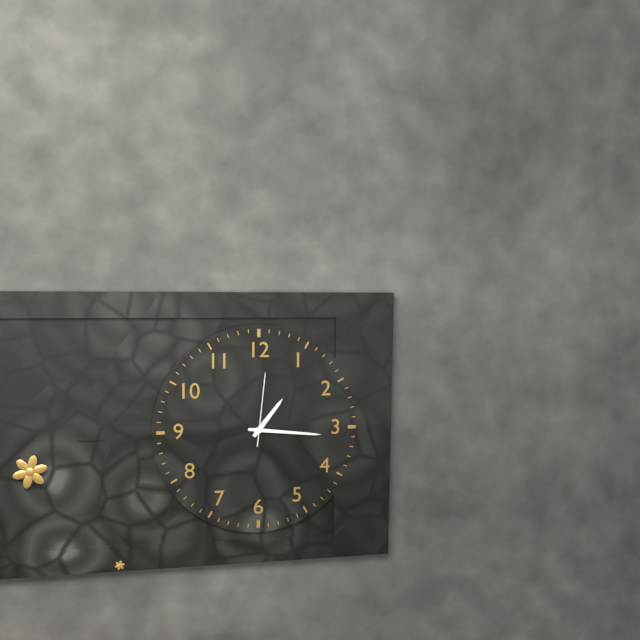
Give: 1h16m01s
